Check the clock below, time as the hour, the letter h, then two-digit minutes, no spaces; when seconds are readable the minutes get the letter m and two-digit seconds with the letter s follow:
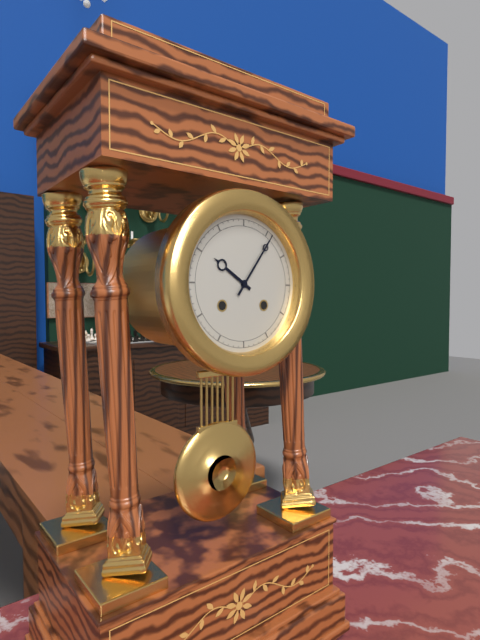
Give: 10h06
